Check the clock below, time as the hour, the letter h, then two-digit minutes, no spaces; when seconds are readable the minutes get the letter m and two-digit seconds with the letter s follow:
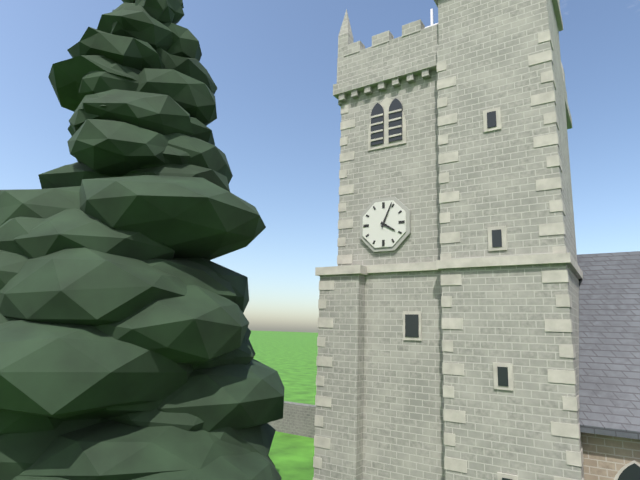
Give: 4h04
